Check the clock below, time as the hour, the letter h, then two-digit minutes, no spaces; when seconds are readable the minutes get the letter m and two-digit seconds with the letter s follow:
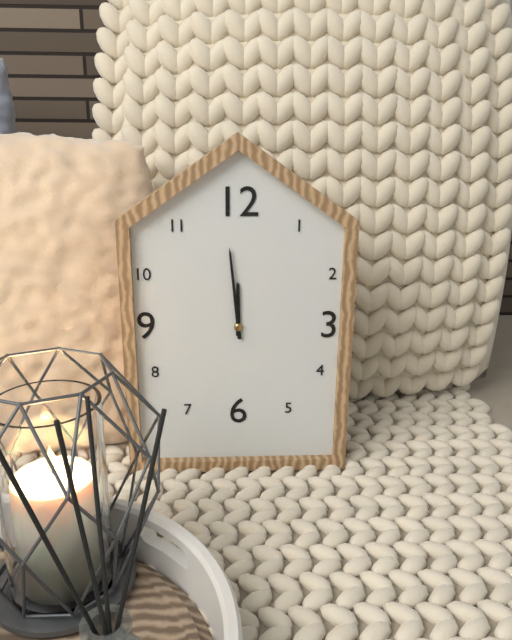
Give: 11h59
